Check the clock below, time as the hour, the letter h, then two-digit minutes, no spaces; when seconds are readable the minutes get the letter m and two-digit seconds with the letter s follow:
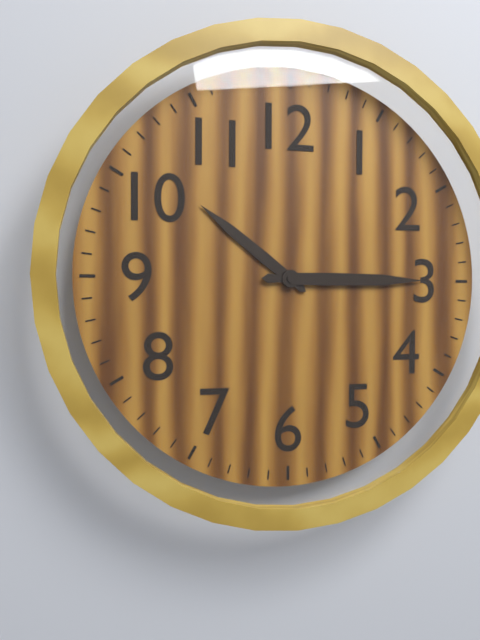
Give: 10h15
